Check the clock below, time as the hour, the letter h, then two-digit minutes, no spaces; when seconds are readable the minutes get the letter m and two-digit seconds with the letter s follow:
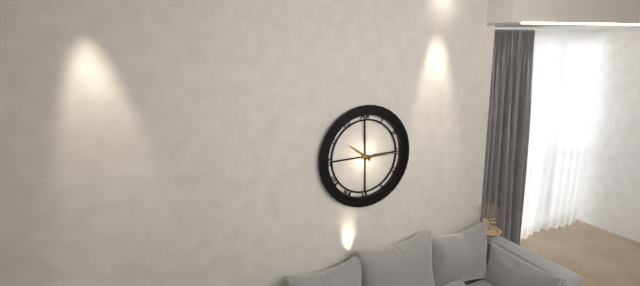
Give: 10h15
